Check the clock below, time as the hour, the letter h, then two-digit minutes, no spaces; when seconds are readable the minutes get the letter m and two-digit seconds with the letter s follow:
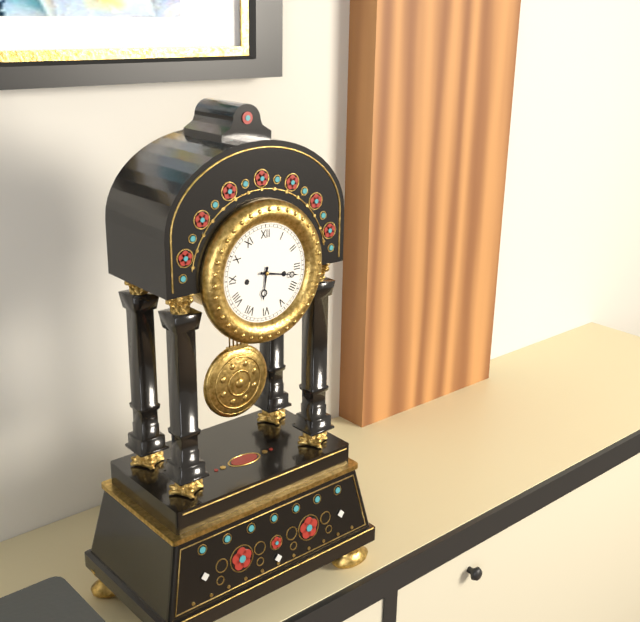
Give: 6h17
